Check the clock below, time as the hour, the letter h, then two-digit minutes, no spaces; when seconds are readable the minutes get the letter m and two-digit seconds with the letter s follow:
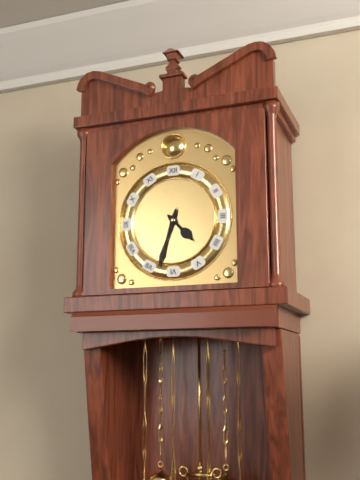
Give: 4h33
